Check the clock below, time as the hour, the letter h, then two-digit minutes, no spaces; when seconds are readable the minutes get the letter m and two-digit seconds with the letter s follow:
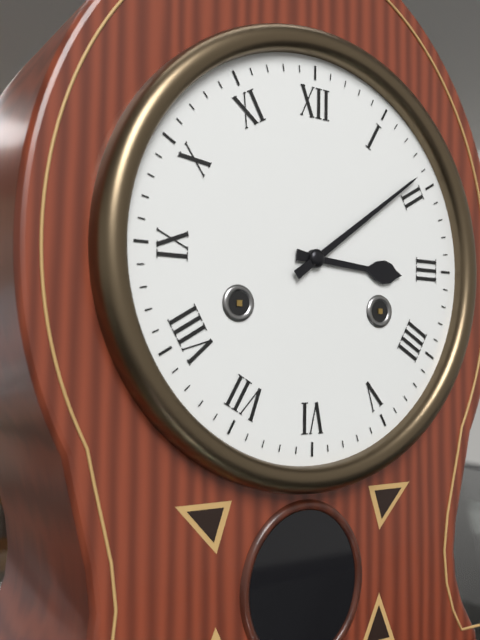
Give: 3h09
